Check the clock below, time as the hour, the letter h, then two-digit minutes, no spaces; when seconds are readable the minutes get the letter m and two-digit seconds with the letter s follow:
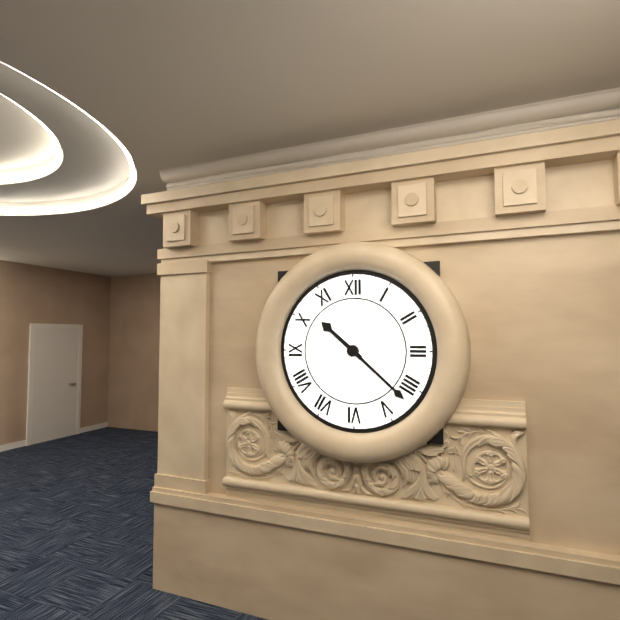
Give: 10h22
